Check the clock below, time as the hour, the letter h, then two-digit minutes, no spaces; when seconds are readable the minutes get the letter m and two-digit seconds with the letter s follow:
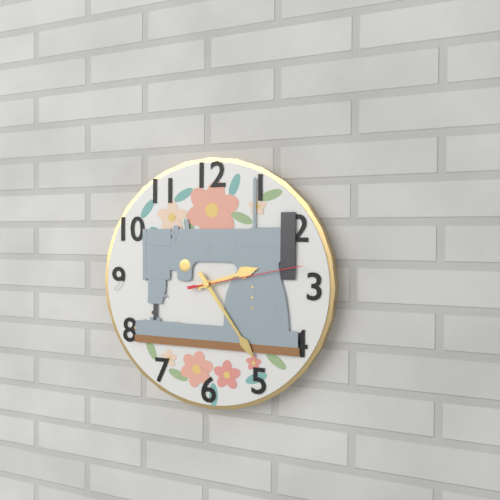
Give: 2h24m13s
